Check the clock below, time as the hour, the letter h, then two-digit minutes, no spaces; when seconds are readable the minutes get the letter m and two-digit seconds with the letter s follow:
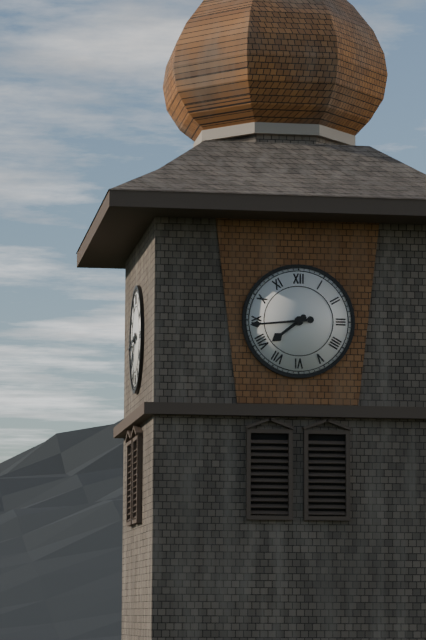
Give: 7h44
